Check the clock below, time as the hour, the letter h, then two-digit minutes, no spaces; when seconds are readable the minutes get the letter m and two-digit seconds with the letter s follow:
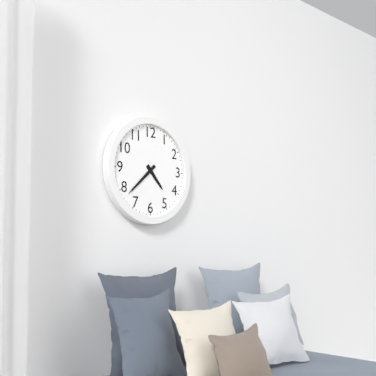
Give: 4h38
